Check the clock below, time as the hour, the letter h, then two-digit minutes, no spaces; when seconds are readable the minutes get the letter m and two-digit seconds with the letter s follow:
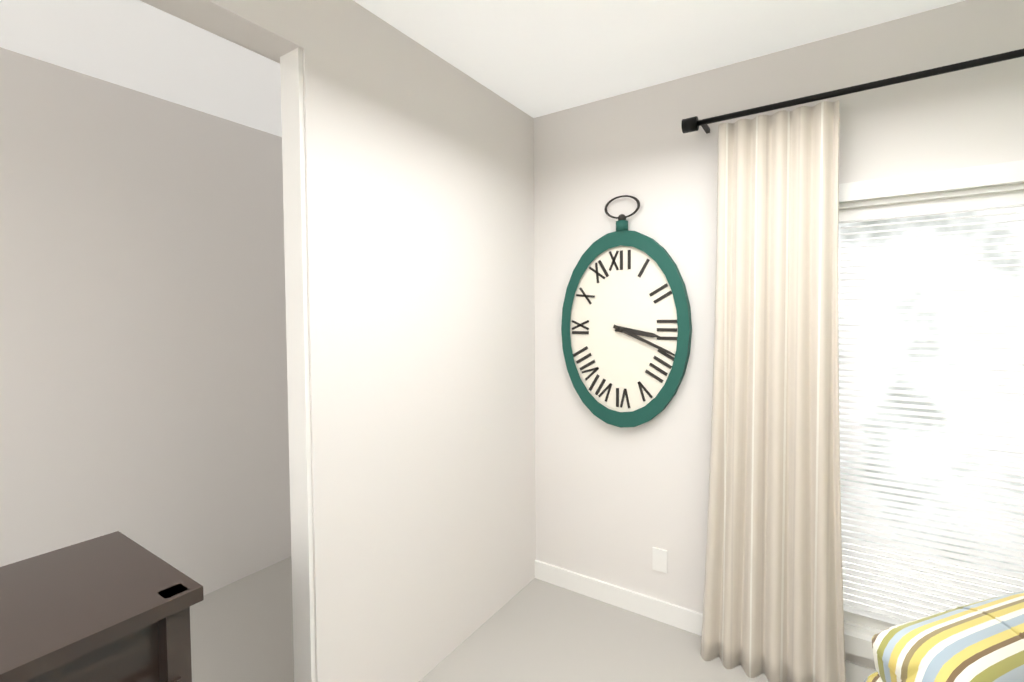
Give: 3h19
